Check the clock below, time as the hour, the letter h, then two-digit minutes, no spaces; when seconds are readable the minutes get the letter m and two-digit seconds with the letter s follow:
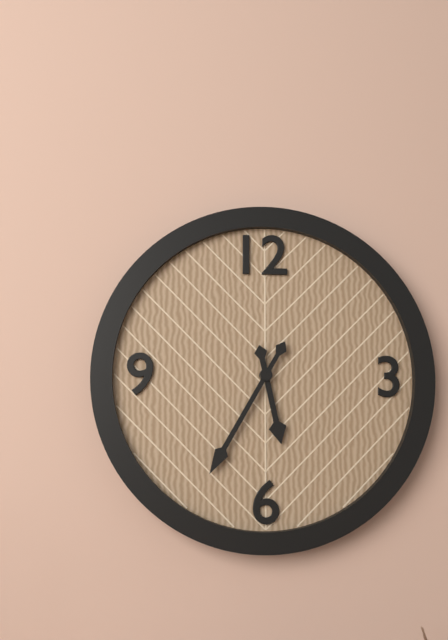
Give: 5h35
